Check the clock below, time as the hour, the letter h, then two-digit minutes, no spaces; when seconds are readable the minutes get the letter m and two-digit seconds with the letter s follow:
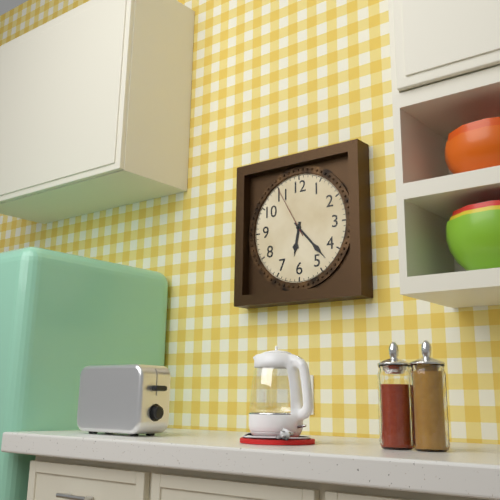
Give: 6h23m55s
